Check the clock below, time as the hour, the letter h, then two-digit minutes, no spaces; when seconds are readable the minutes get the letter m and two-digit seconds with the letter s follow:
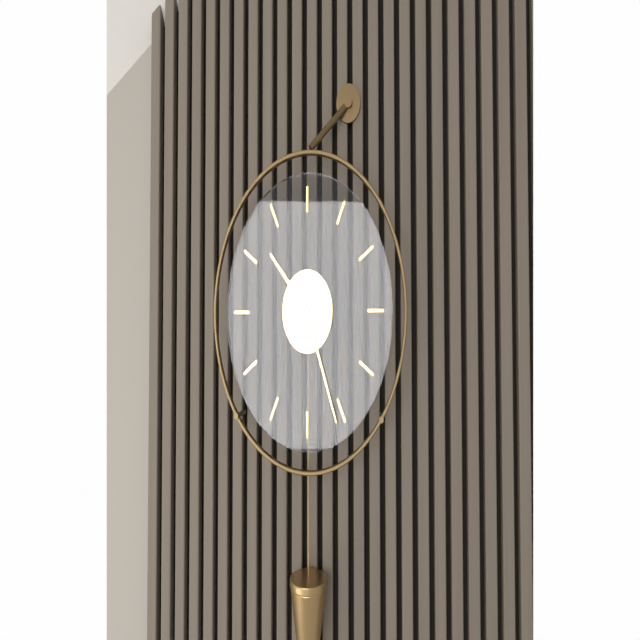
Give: 10h26
